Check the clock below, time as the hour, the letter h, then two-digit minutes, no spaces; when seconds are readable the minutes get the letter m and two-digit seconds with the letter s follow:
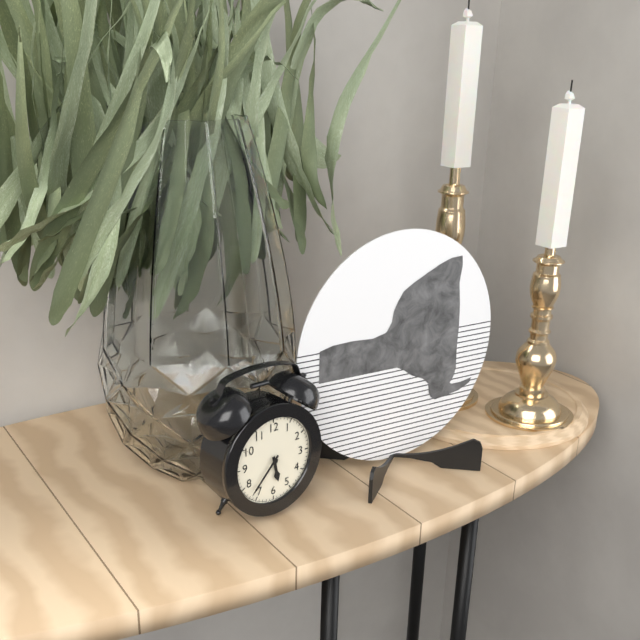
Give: 5h37
